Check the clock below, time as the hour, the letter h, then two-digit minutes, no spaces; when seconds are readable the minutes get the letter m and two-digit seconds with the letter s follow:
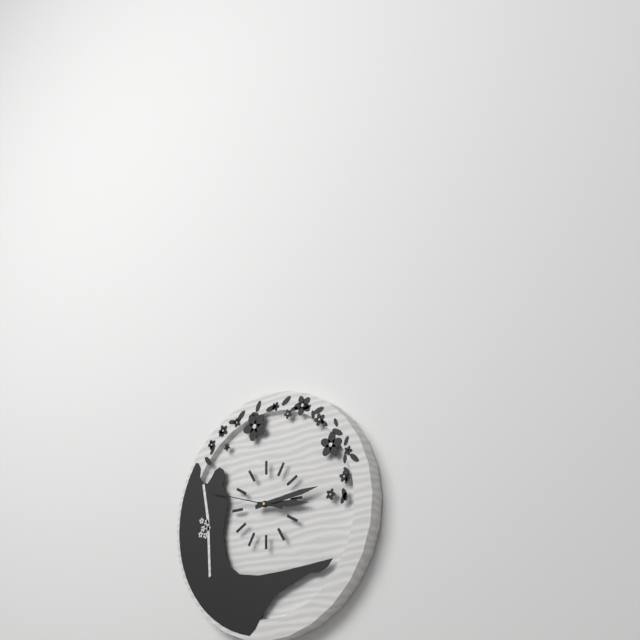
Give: 3h14m48s
